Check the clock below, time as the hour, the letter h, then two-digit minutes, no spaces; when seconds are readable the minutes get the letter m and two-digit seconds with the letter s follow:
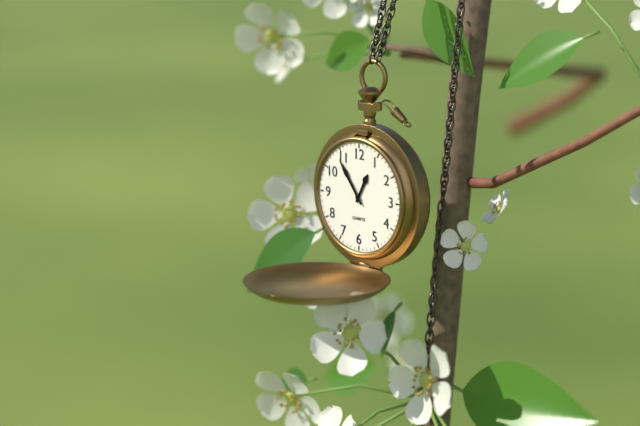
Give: 12h54
